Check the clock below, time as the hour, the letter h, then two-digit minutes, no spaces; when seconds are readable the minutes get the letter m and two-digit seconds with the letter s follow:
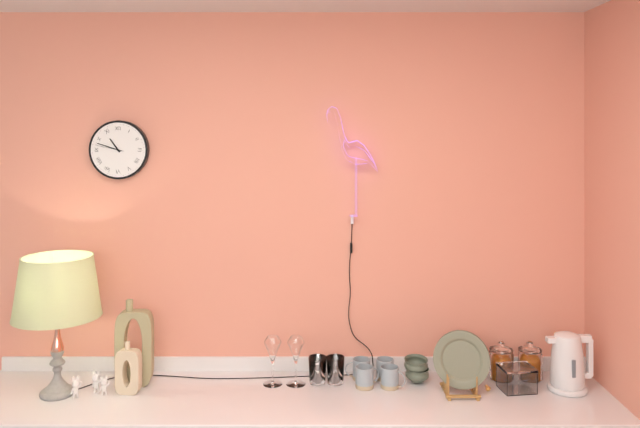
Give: 10h48
